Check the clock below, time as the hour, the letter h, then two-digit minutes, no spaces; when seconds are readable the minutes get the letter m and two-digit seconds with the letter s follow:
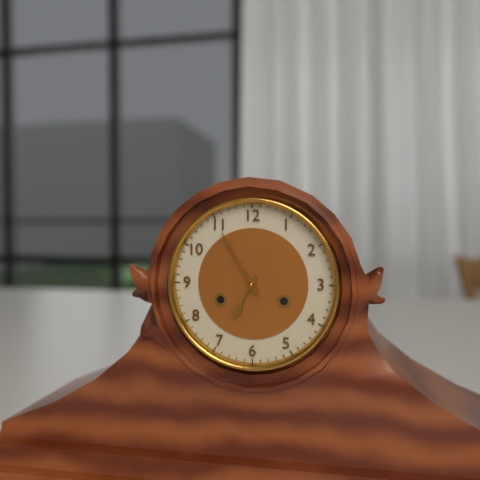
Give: 6h55
